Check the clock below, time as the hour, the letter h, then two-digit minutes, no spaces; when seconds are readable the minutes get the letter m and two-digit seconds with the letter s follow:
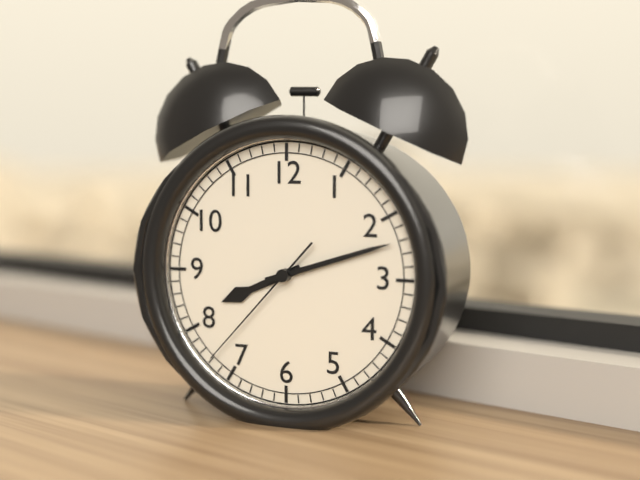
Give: 8h12m37s
